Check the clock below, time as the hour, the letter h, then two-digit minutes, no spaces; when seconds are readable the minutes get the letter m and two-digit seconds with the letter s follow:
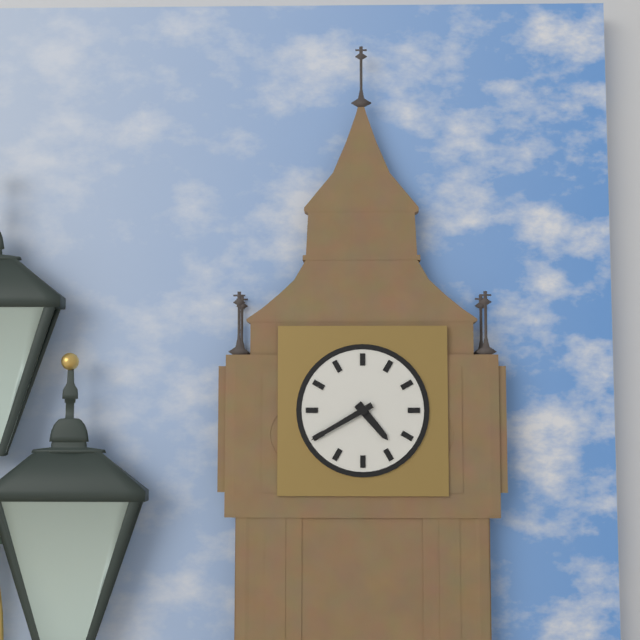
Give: 4h40
